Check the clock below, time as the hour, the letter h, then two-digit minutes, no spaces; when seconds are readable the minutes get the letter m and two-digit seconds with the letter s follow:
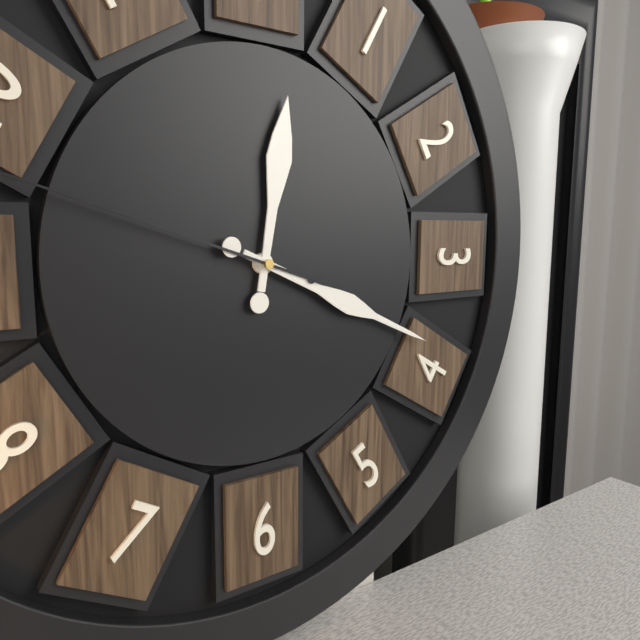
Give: 12h19
